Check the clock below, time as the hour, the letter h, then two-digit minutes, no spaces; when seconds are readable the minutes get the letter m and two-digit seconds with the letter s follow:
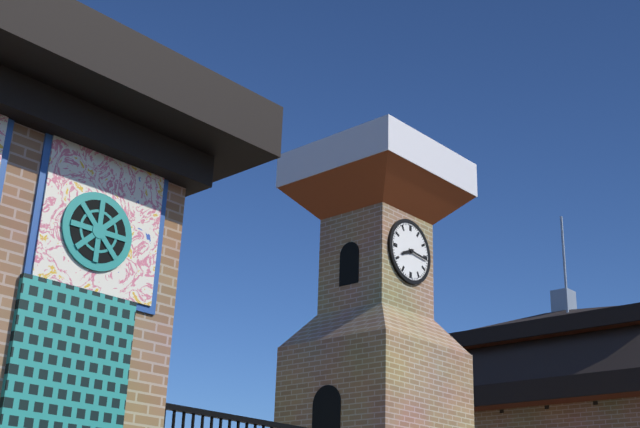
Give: 8h16
